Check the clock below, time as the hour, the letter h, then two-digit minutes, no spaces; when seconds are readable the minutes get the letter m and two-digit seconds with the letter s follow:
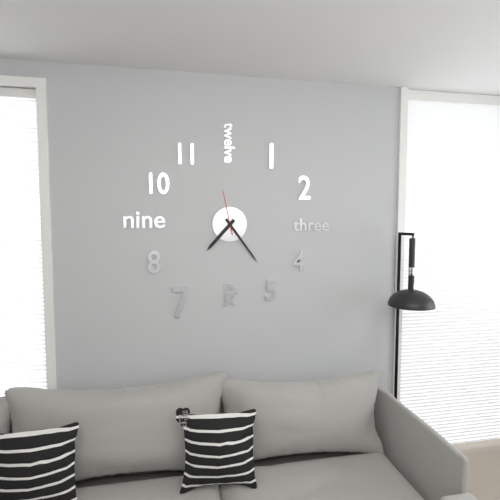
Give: 7h24
